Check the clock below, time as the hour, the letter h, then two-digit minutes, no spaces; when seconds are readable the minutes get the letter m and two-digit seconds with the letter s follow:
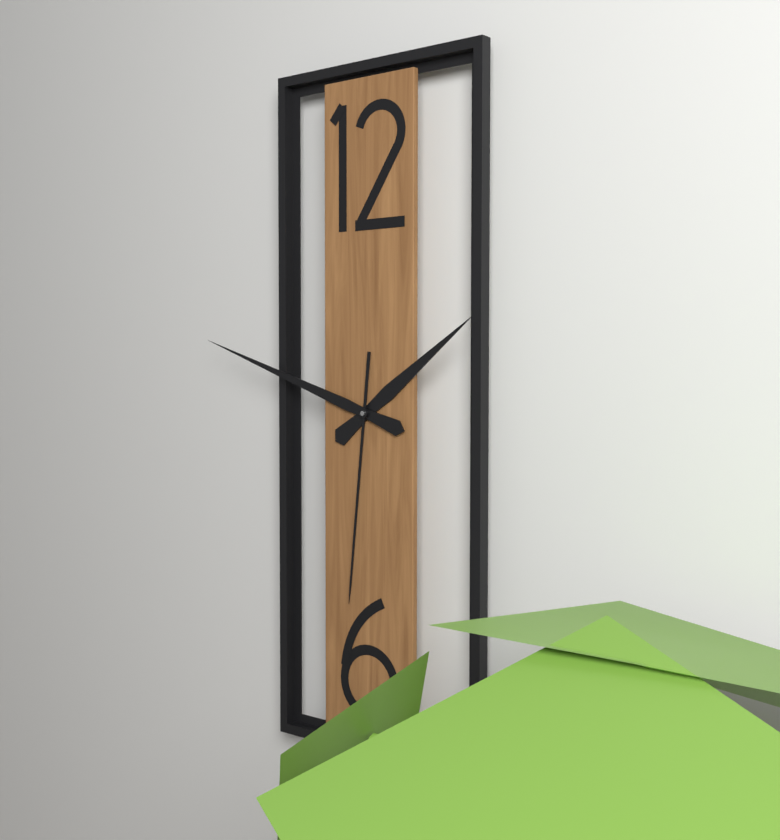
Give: 1h48m31s
